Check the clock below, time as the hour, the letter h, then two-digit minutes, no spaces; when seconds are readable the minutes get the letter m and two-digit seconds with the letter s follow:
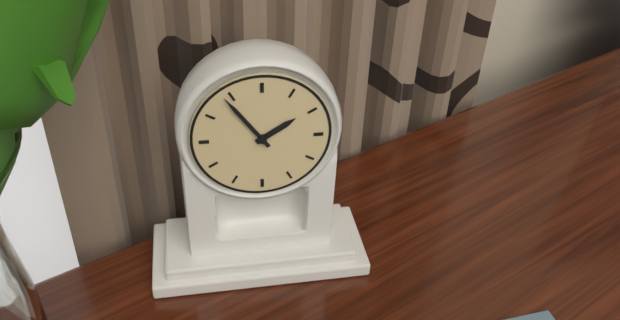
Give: 1h54
